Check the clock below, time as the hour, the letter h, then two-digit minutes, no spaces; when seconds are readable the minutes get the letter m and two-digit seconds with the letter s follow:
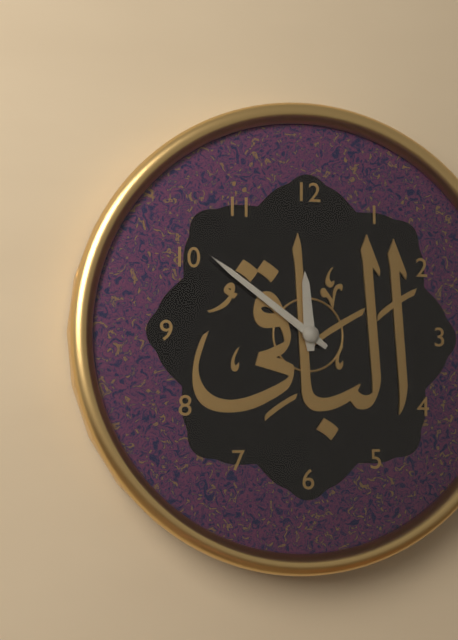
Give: 11h51
